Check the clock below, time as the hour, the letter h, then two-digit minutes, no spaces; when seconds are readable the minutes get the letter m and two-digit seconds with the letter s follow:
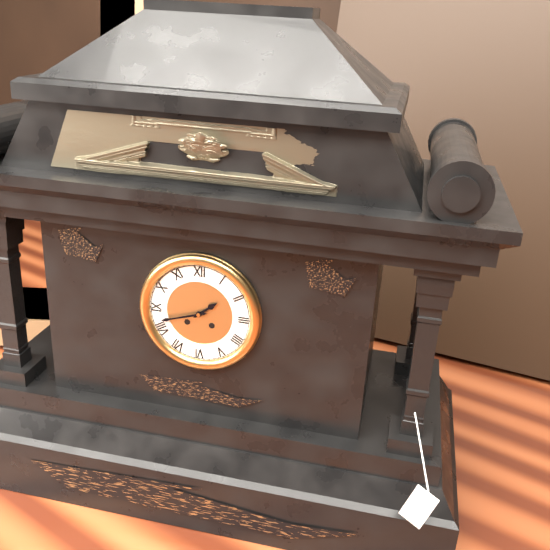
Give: 1h42
